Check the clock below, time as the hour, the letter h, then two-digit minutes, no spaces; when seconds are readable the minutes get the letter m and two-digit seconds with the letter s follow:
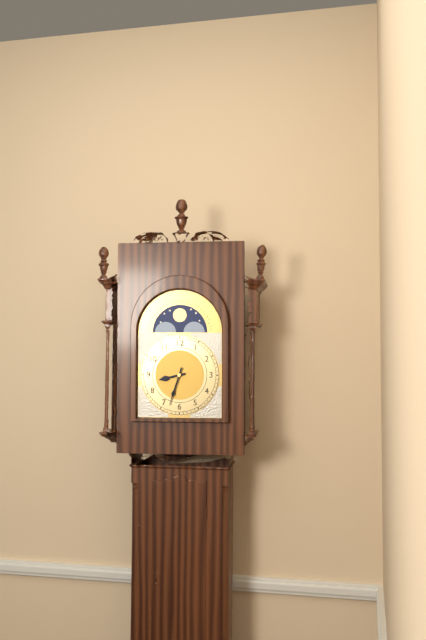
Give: 8h33
